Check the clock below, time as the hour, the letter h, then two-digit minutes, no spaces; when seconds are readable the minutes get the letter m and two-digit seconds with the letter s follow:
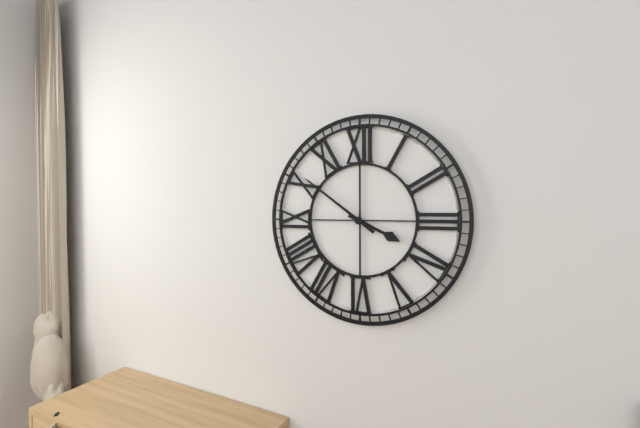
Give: 3h51
